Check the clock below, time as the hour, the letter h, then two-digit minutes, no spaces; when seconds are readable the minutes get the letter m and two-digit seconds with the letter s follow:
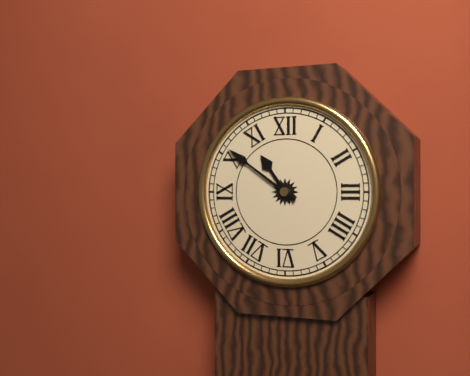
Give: 10h51
